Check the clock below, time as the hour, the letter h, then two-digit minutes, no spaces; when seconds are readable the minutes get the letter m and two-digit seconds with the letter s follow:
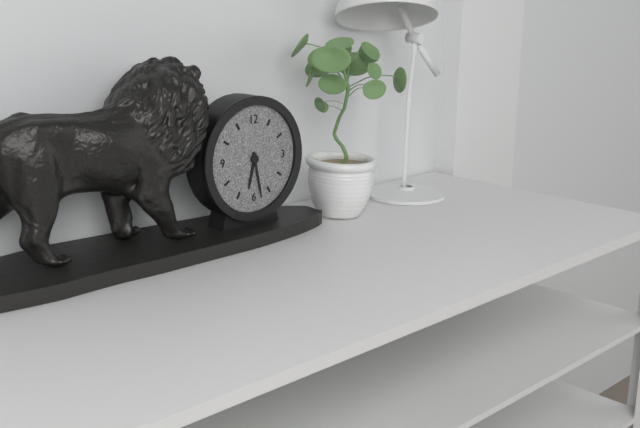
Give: 6h28
